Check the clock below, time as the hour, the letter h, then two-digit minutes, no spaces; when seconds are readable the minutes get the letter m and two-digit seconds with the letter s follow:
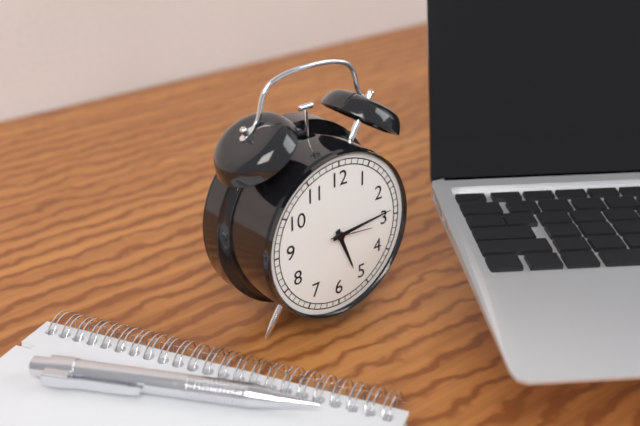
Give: 5h14
